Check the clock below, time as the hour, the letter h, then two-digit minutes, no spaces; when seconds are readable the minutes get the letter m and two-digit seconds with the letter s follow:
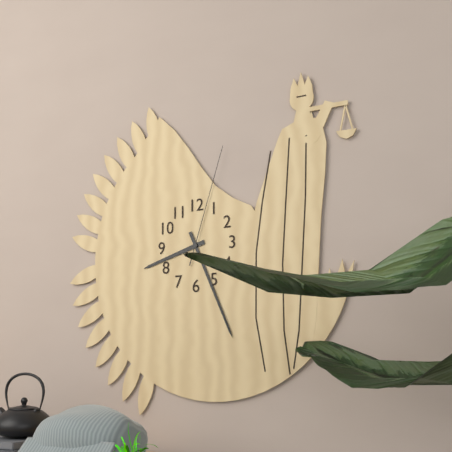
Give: 8h26m03s
